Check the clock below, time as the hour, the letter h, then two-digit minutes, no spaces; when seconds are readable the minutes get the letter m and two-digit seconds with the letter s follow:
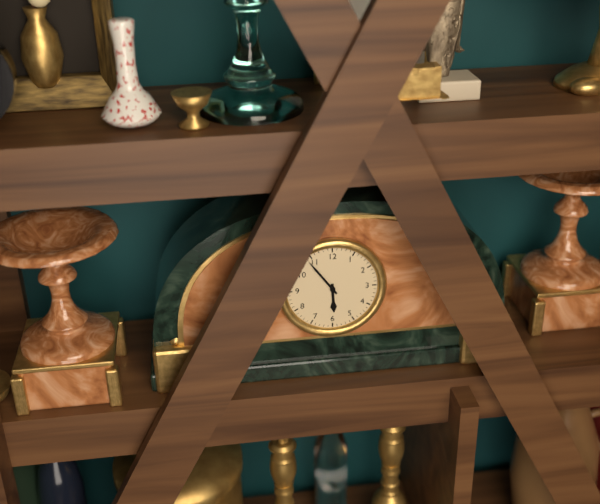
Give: 5h54
